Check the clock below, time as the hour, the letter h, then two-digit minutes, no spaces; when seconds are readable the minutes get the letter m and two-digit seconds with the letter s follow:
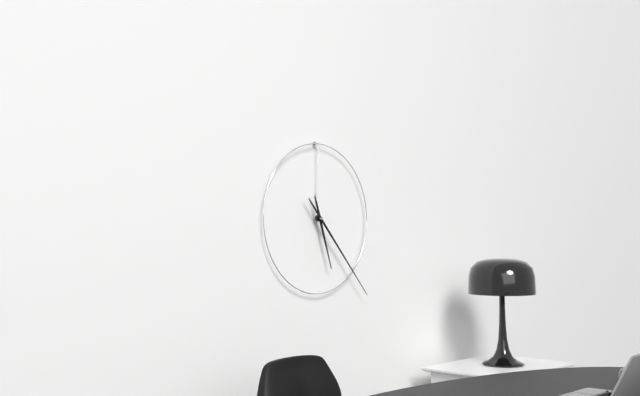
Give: 5h23
